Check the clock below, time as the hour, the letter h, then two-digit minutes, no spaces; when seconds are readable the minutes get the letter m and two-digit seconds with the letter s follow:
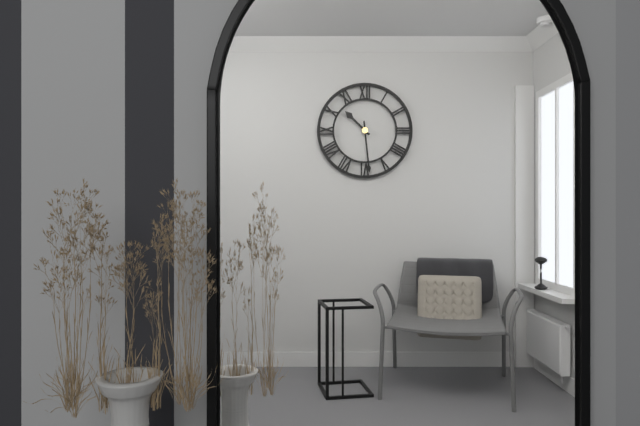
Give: 10h29
